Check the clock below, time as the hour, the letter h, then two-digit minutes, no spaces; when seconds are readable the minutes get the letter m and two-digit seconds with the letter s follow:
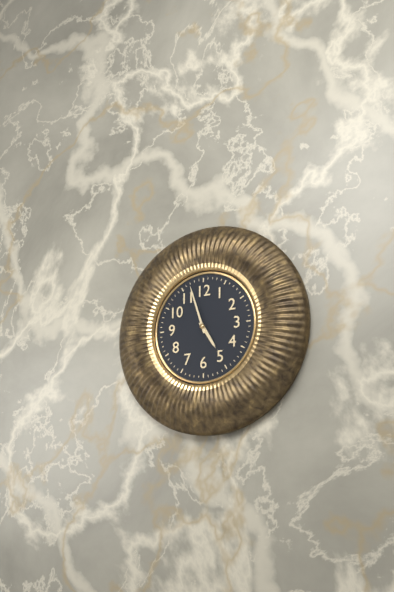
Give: 4h57
